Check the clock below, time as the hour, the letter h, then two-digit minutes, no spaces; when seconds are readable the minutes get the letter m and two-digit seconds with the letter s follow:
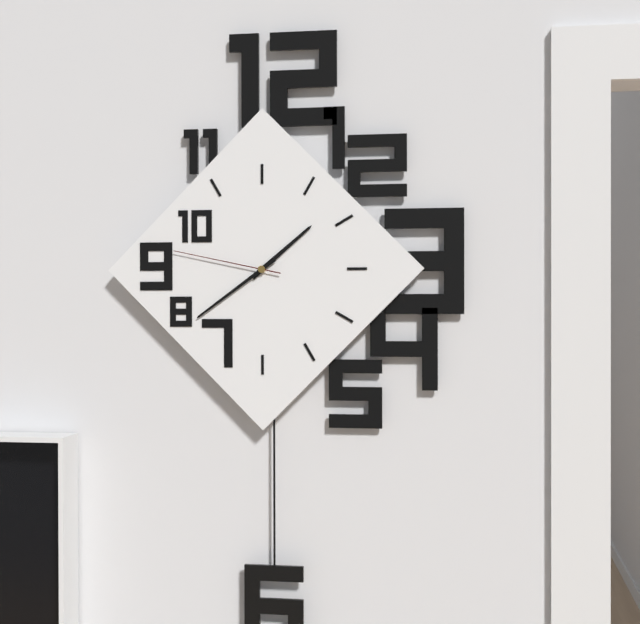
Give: 1h39m47s
